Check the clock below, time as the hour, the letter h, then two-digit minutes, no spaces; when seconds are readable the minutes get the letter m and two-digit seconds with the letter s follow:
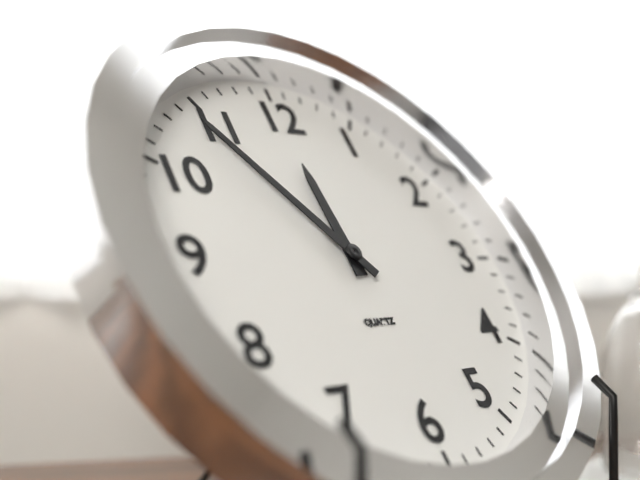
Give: 11h54
